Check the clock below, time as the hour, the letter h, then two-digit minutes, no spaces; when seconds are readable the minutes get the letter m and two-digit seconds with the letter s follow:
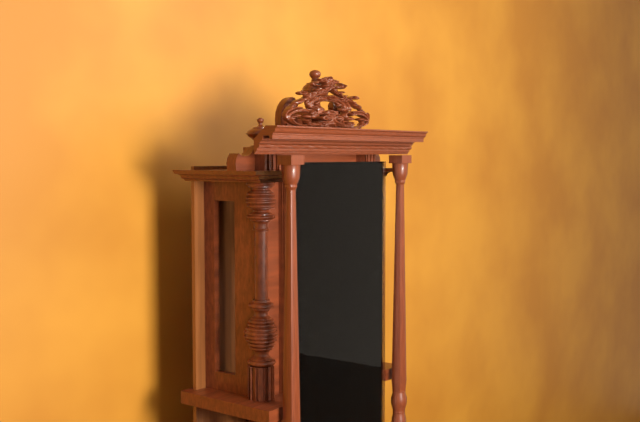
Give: 4h32
